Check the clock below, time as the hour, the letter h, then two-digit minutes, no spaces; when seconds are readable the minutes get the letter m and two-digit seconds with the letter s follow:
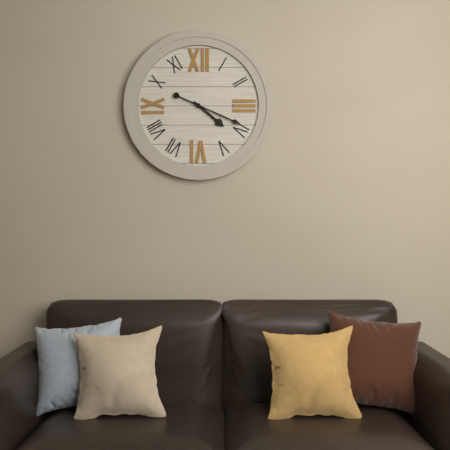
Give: 4h19
